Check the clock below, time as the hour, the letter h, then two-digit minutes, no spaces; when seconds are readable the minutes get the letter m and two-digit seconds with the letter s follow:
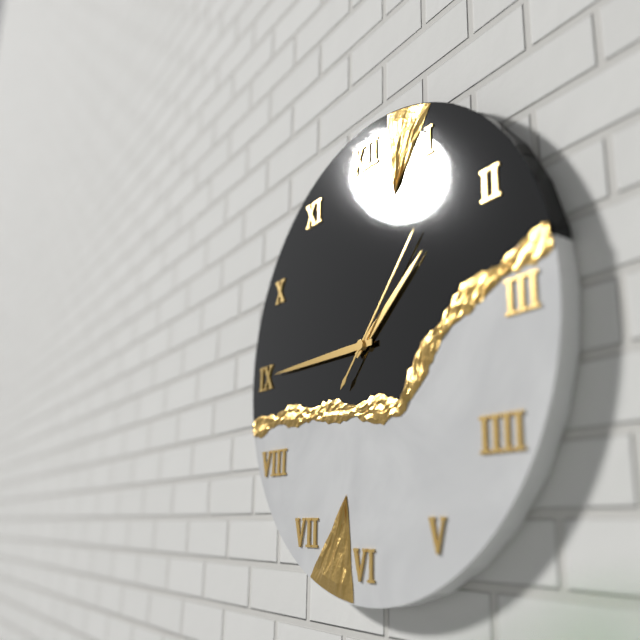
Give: 1h45m07s
